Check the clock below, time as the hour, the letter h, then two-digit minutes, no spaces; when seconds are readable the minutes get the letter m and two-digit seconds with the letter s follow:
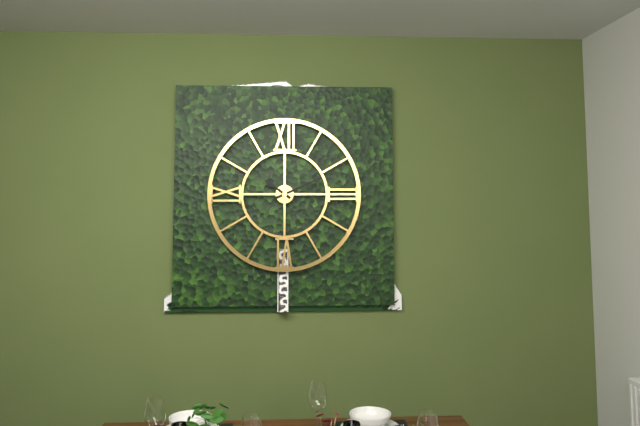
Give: 10h11
